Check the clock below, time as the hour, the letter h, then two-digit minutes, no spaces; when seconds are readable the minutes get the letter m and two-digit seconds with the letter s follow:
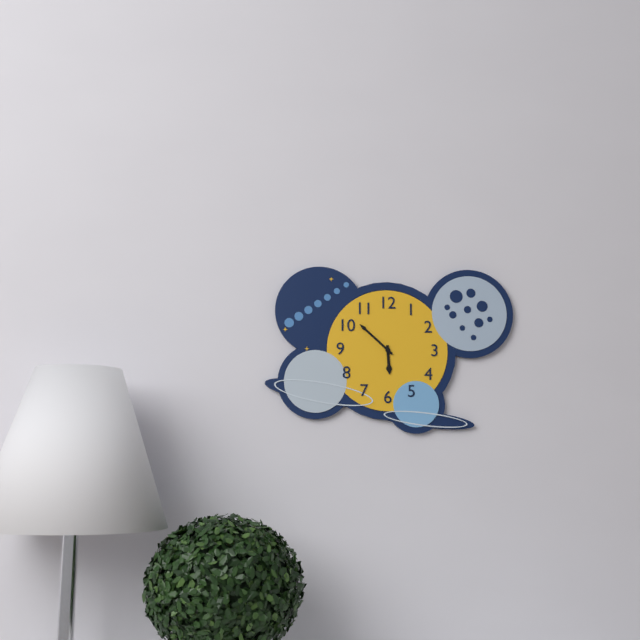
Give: 5h52
